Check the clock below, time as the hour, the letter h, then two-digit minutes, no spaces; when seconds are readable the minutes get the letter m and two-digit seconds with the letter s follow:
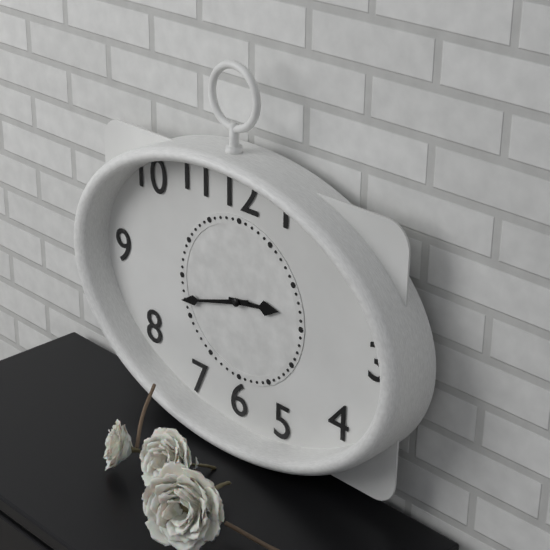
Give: 2h42
